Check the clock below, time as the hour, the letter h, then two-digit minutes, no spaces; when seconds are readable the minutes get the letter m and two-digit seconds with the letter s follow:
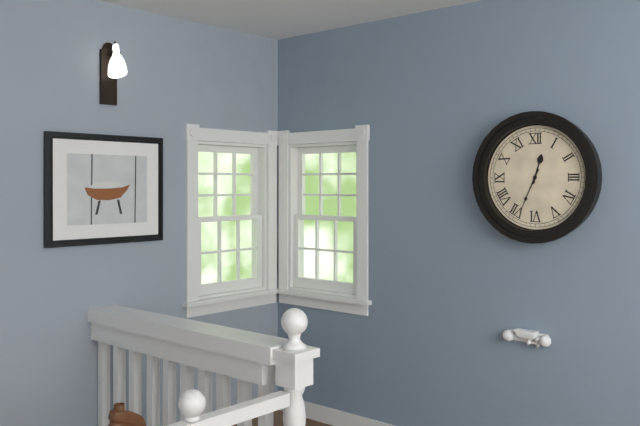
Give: 12h34
